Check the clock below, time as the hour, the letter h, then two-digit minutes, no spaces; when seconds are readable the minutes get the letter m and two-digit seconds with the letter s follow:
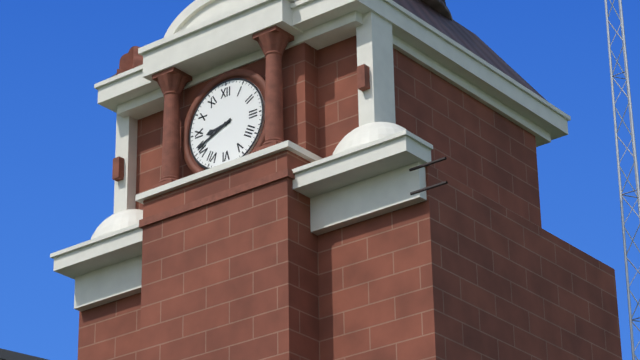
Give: 8h41
